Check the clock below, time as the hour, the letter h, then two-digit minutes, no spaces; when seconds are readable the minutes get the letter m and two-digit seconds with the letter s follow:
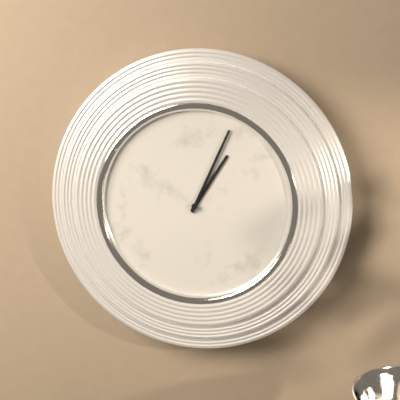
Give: 1h04
